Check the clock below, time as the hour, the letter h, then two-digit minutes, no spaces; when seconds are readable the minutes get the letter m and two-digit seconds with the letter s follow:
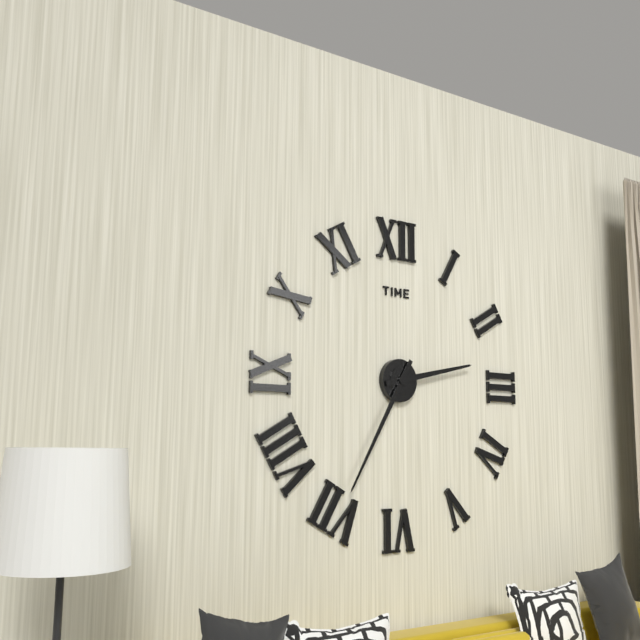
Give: 2h35
